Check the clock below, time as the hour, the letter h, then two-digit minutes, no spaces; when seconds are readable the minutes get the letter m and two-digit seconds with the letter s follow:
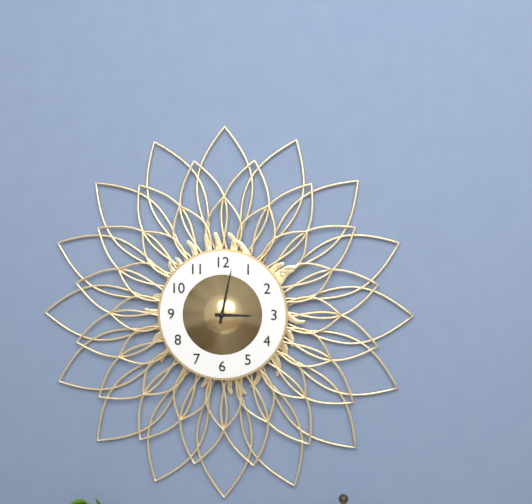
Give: 3h02
